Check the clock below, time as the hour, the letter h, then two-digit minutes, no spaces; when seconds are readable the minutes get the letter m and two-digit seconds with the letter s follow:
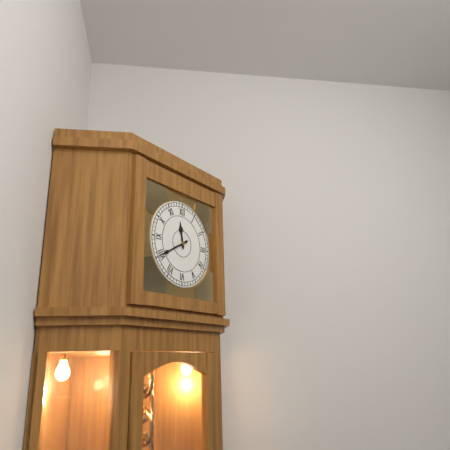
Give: 11h40
